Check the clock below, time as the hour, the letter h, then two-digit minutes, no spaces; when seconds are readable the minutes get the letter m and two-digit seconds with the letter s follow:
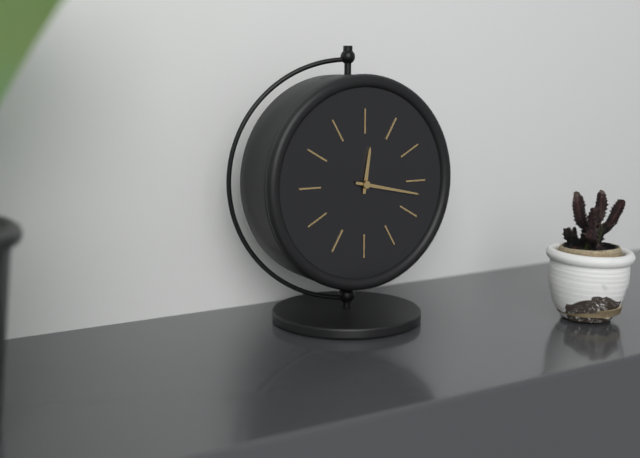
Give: 12h17
